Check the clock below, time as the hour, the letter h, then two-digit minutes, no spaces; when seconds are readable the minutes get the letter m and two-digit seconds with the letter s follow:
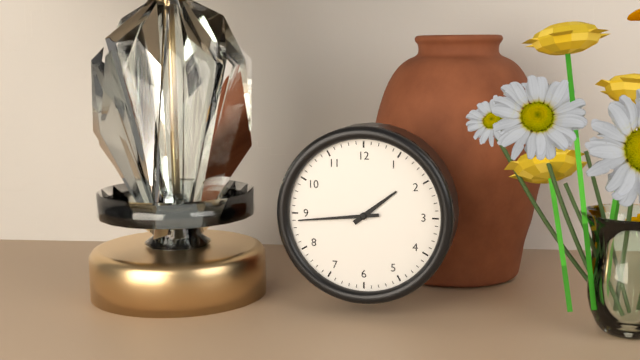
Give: 1h44
